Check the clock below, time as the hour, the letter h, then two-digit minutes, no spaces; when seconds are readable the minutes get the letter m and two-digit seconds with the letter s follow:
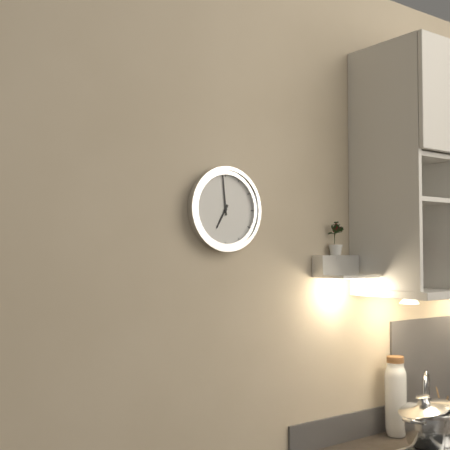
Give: 6h59
